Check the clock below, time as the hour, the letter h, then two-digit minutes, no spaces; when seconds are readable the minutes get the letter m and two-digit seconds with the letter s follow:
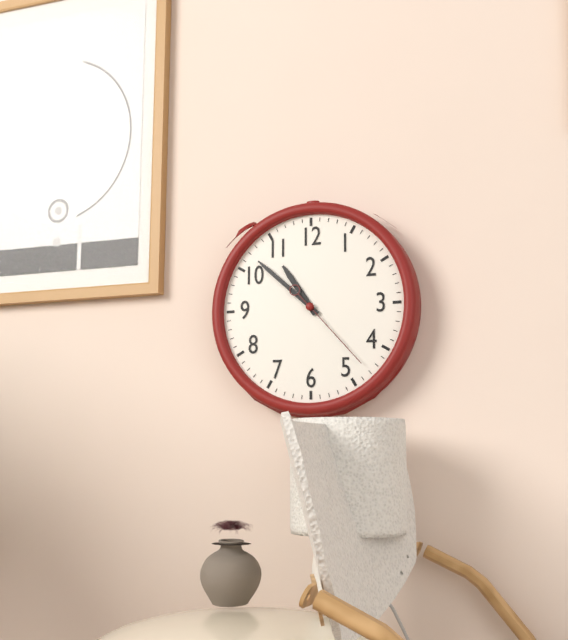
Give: 10h52m23s
